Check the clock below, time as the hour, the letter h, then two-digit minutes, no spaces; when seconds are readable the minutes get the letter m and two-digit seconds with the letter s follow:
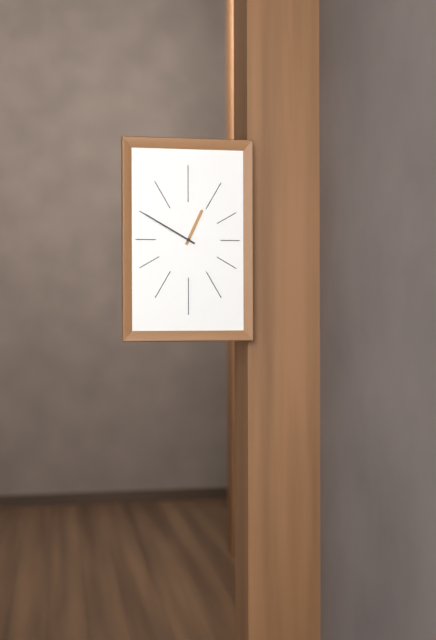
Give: 12h50
